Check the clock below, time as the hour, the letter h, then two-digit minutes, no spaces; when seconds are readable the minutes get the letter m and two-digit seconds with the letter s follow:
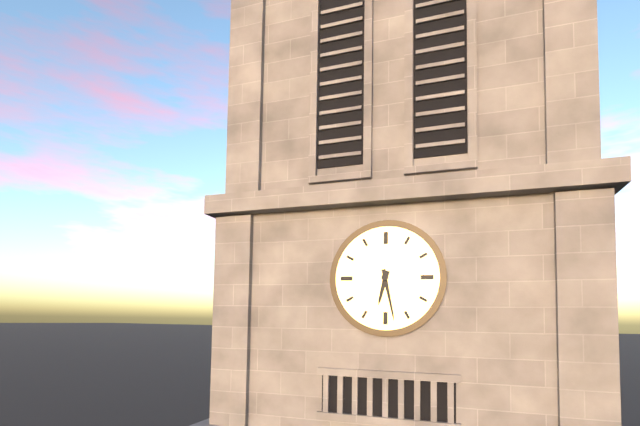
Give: 6h28
